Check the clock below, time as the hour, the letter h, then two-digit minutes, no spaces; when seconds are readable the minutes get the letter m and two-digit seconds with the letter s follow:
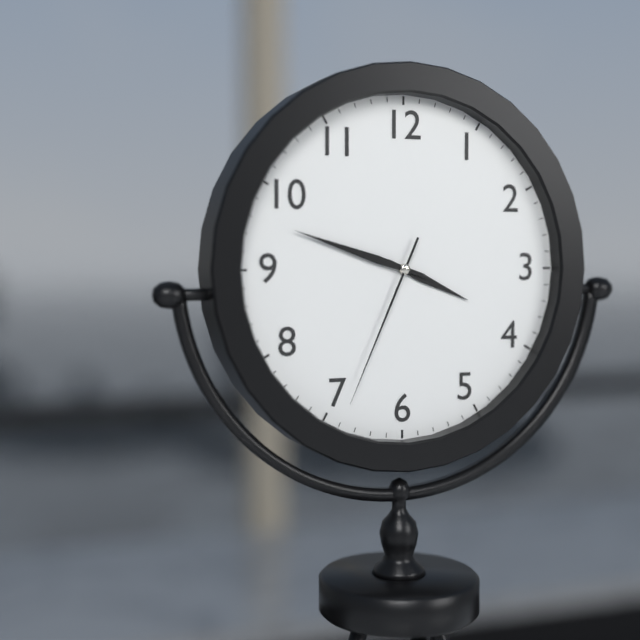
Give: 3h48m34s
